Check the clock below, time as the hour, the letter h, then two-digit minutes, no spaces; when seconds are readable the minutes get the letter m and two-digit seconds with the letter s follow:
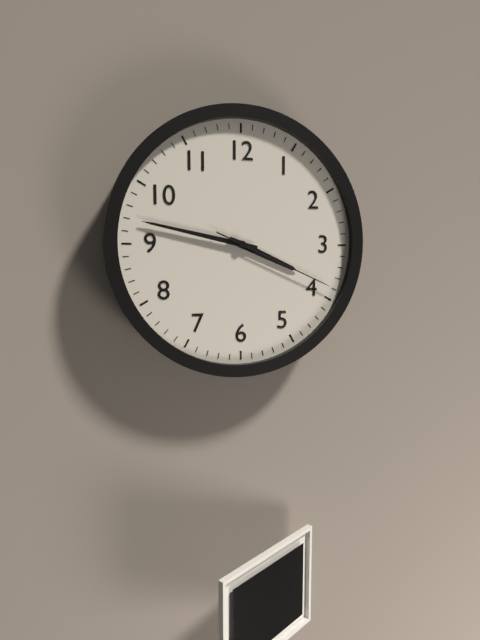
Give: 3h47m19s
